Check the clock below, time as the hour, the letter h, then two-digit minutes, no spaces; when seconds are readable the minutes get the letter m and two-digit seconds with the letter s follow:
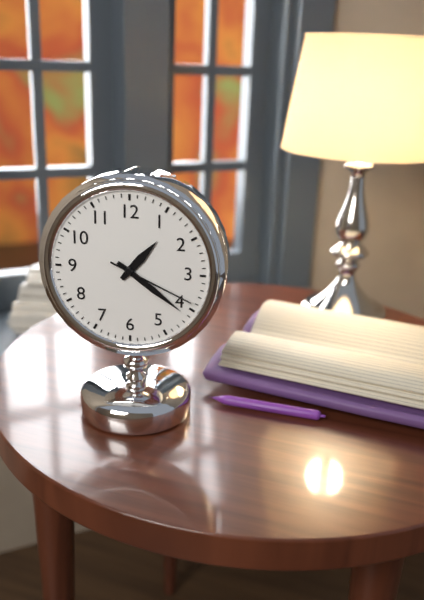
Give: 1h21m19s
